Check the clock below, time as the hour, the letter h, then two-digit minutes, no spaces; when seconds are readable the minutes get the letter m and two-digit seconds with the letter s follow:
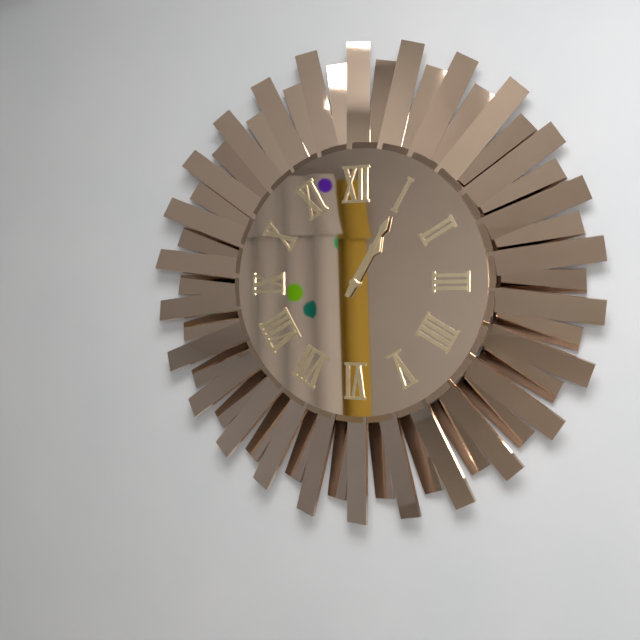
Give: 1h05
